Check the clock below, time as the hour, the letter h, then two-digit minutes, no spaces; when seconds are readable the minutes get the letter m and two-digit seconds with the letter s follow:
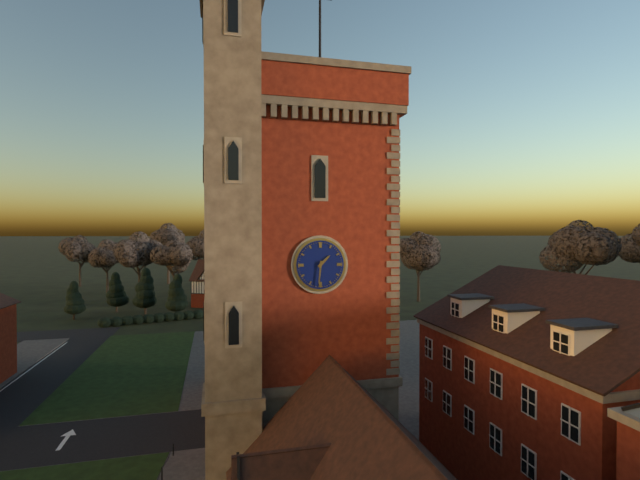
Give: 1h31
